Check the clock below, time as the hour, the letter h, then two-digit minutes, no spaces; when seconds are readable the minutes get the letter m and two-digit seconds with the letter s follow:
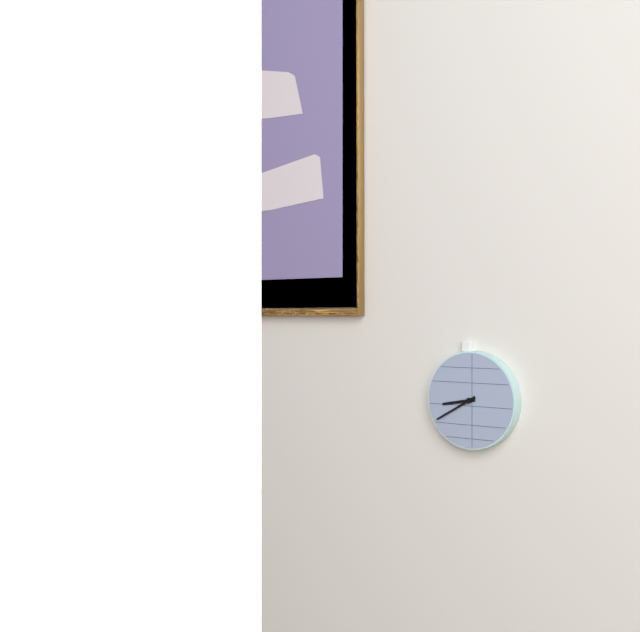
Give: 8h40
